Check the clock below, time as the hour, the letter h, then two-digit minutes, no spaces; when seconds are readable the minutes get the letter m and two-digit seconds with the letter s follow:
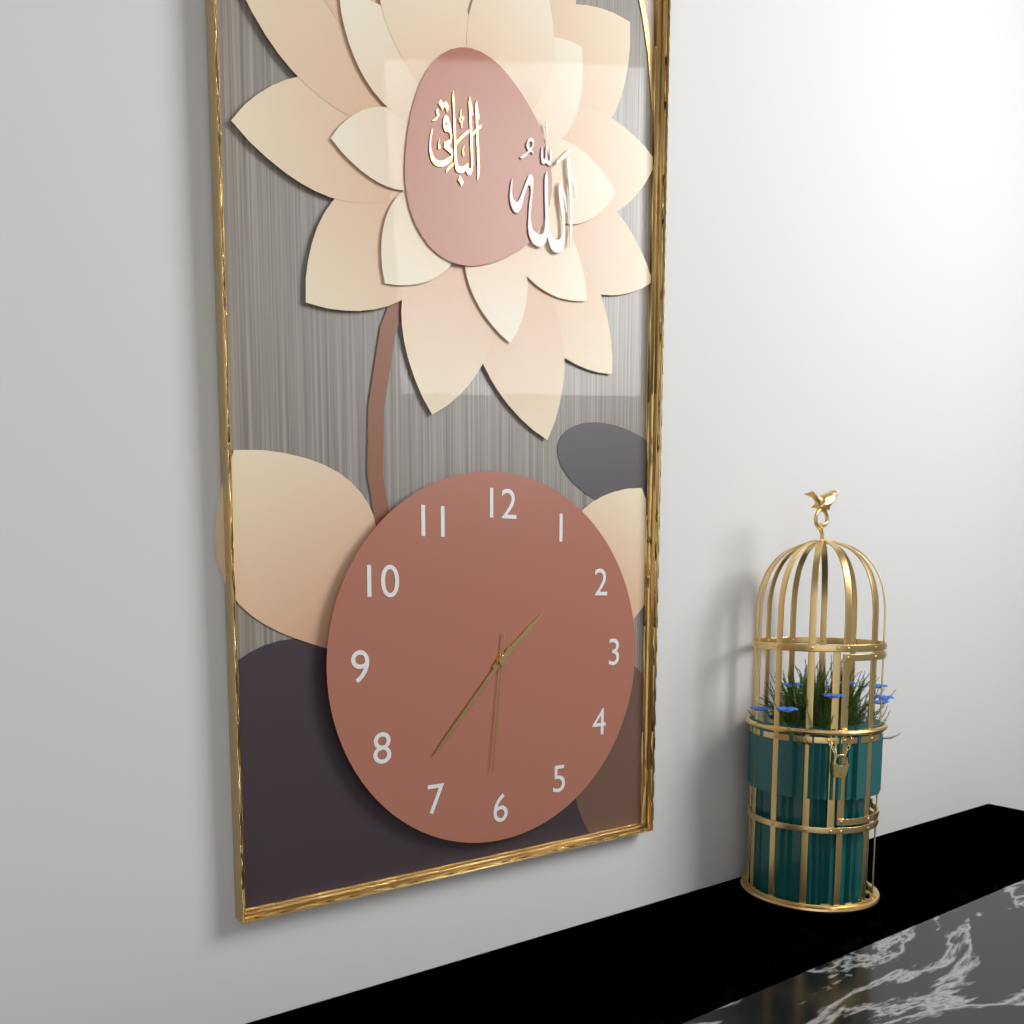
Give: 1h37m31s
